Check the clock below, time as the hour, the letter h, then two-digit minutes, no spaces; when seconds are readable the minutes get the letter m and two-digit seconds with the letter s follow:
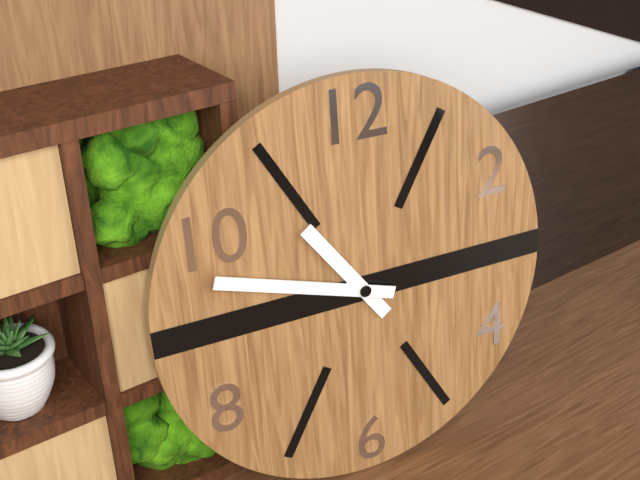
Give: 10h48
